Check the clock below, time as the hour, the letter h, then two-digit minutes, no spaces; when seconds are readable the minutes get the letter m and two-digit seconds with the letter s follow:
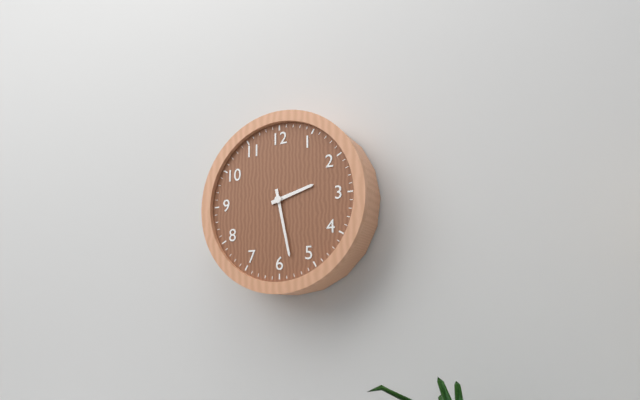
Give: 2h28
